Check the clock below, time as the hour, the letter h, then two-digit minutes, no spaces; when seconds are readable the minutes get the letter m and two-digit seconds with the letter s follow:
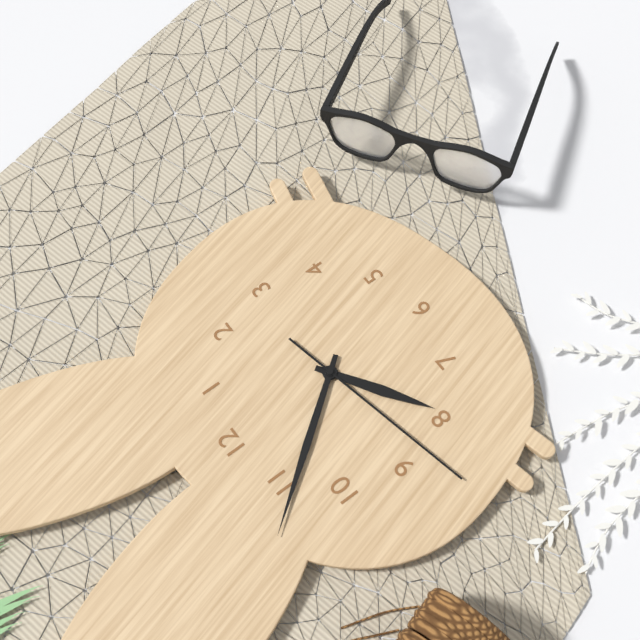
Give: 7h54m43s
